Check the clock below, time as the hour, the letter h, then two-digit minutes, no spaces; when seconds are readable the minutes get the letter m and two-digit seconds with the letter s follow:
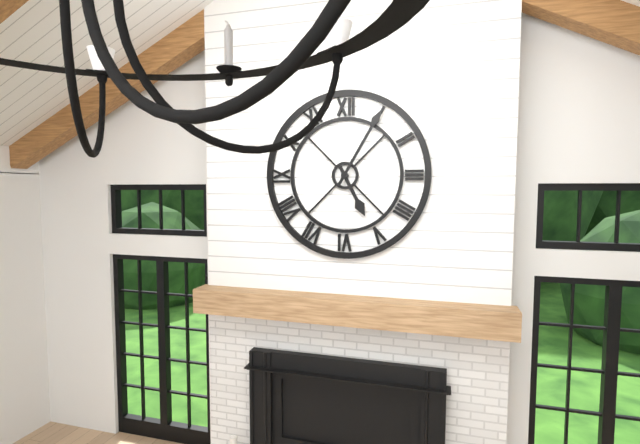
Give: 5h05
